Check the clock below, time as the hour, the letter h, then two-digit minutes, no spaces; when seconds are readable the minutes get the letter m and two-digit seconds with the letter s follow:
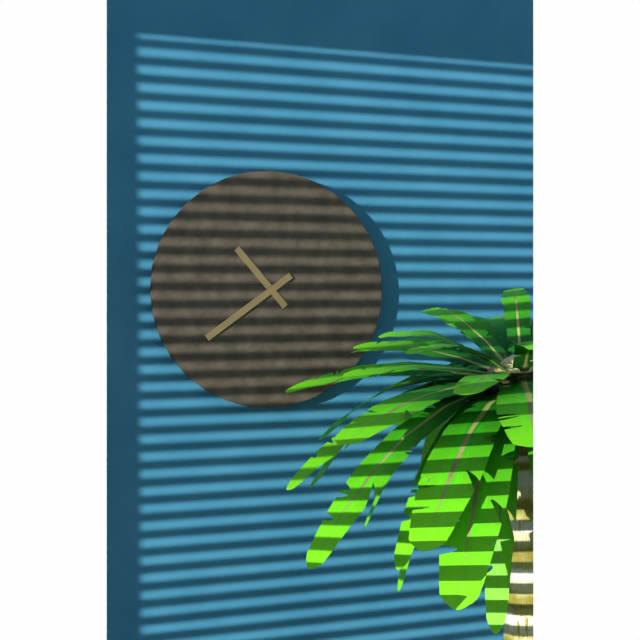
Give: 10h39
